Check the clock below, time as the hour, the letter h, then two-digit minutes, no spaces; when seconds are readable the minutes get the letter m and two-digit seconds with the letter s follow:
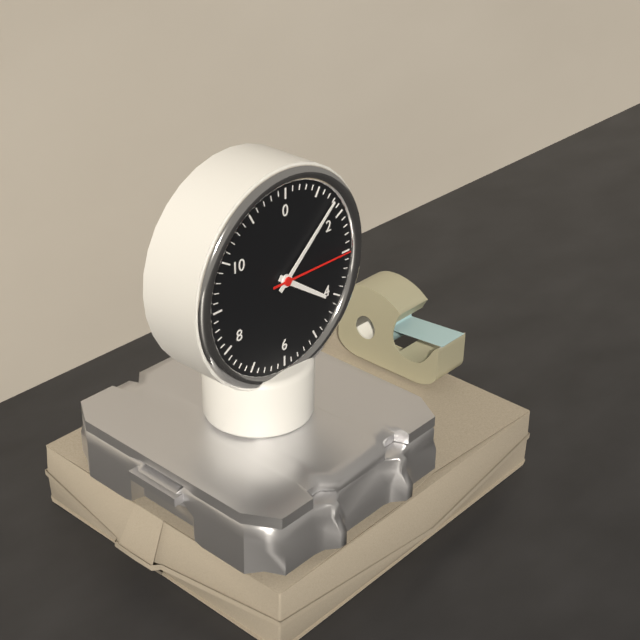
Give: 4h08m15s
